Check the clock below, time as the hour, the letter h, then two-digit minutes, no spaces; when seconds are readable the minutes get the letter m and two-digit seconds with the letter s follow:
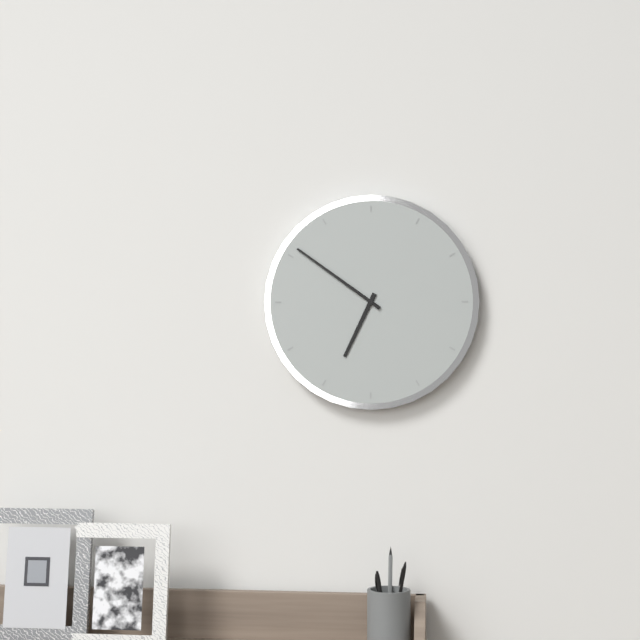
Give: 6h51
